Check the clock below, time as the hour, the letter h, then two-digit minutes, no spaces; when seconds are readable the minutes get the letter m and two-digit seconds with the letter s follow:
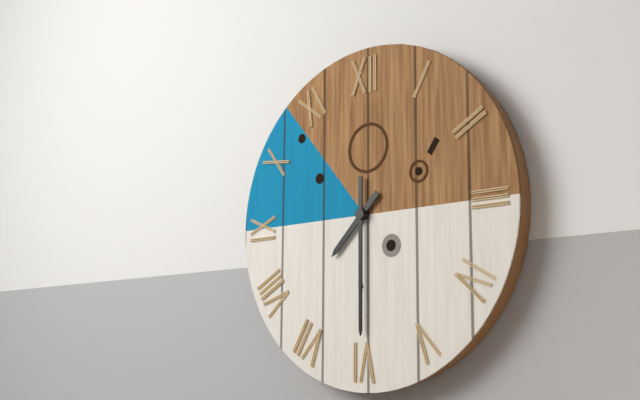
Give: 7h30
